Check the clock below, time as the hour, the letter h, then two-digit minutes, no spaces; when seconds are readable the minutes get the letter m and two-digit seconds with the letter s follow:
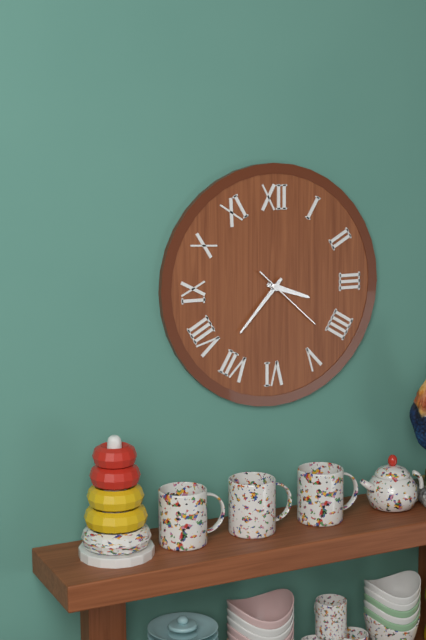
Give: 3h37m22s
